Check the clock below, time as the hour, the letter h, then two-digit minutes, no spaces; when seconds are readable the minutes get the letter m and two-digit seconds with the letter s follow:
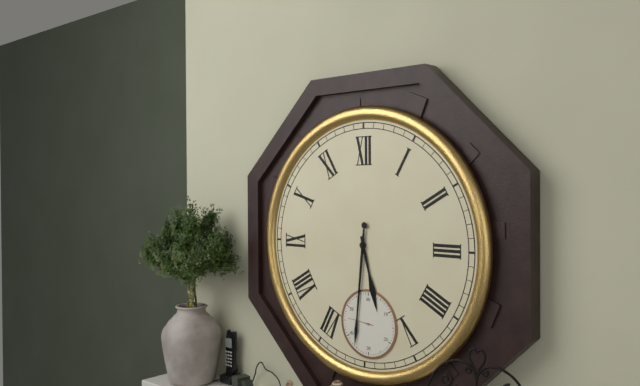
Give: 5h31
